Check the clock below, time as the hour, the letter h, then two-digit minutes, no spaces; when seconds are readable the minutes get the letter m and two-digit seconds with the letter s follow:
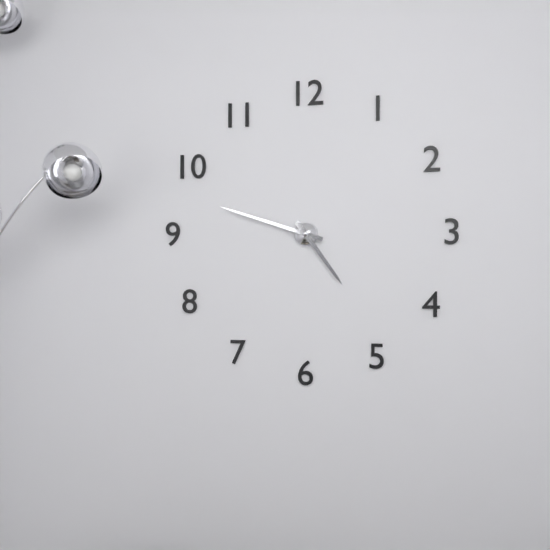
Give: 4h48
